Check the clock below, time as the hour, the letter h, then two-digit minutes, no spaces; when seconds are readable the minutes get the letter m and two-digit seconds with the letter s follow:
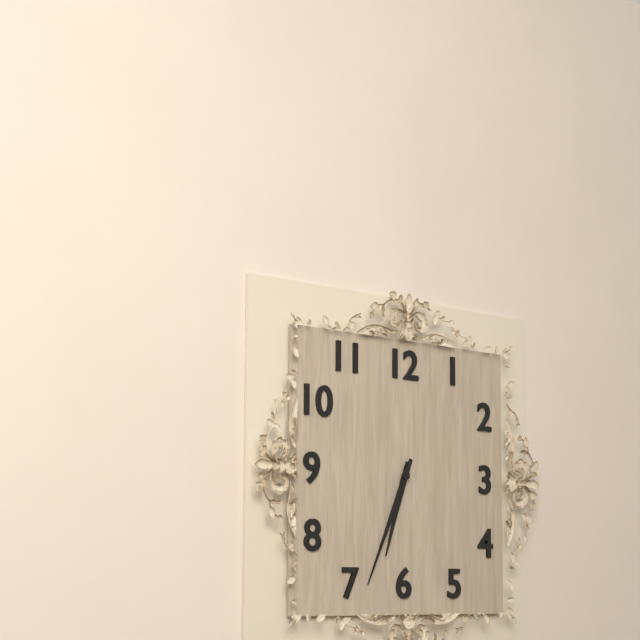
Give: 6h34
